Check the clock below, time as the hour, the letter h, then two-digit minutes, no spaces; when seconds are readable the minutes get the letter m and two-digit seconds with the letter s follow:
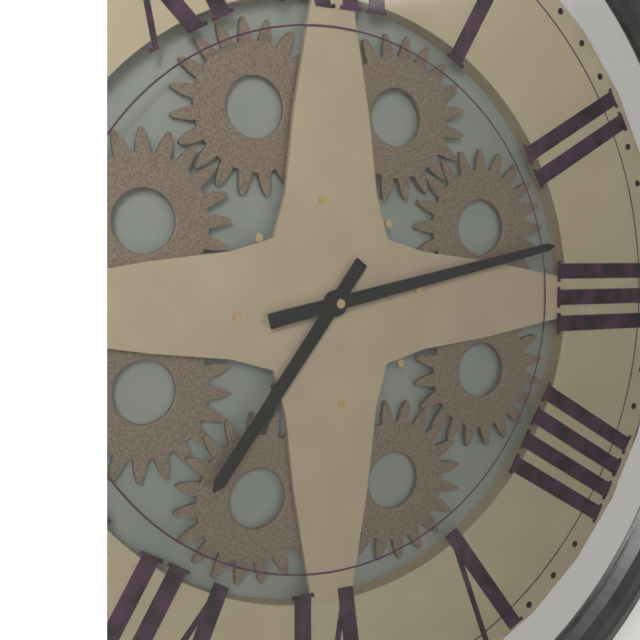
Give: 7h13
